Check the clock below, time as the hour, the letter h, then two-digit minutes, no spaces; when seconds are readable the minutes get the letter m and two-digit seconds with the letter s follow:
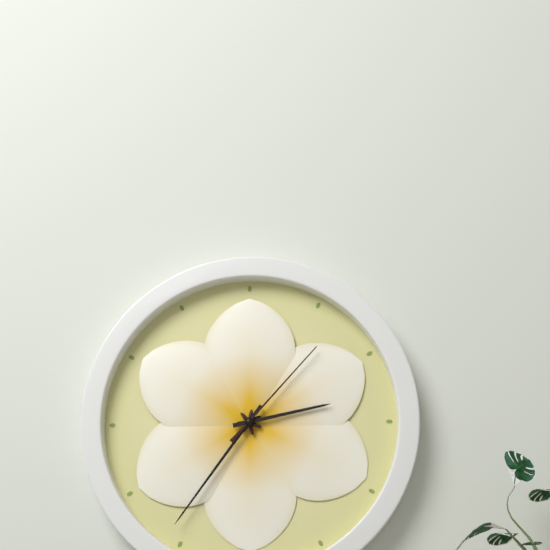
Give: 2h36m07s
